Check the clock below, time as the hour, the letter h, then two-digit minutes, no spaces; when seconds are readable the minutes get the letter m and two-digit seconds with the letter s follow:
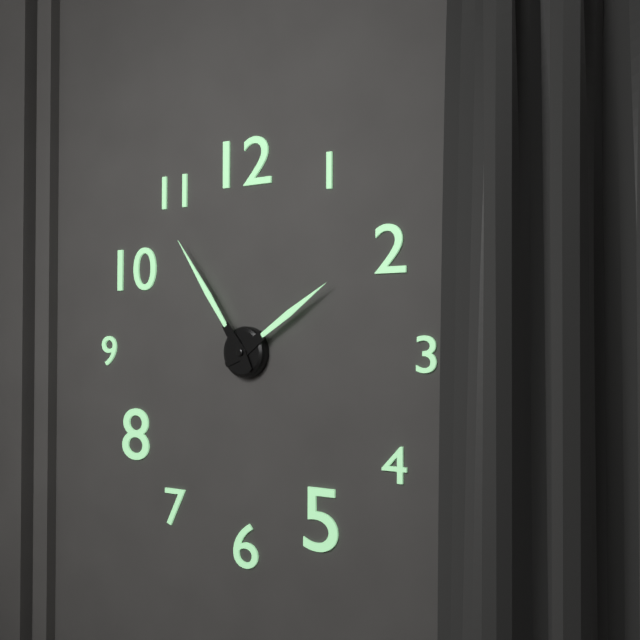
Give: 1h54
